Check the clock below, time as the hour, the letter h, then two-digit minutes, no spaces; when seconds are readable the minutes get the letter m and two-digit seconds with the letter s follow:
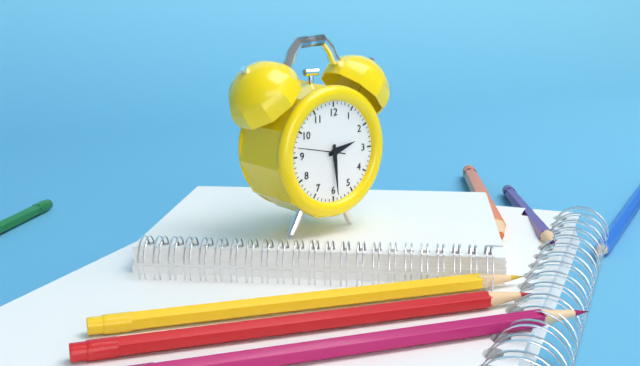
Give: 2h29
